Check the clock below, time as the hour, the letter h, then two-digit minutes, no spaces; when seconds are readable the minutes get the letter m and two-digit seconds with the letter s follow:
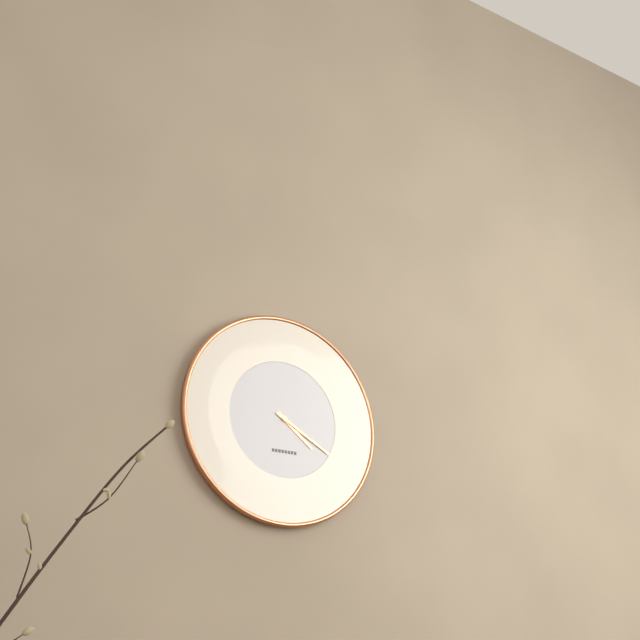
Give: 4h20
